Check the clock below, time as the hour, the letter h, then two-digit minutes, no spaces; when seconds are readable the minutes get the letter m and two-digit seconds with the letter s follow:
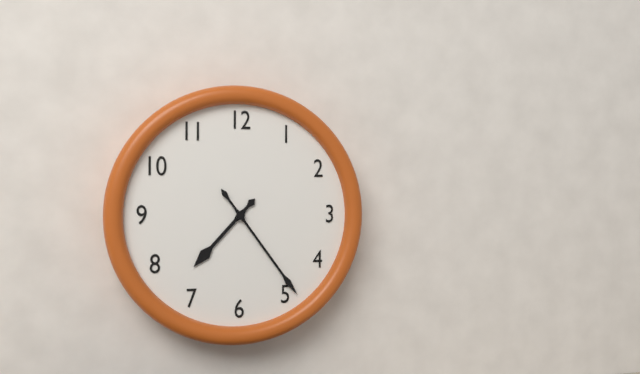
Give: 7h24
